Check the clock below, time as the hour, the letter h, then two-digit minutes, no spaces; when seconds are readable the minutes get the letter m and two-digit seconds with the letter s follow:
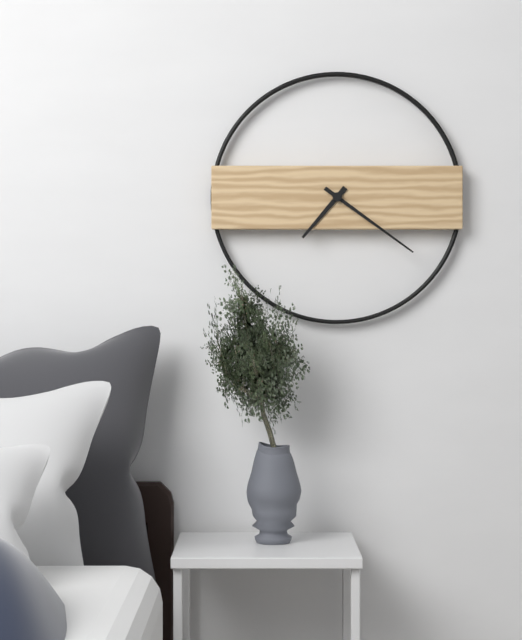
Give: 7h21
